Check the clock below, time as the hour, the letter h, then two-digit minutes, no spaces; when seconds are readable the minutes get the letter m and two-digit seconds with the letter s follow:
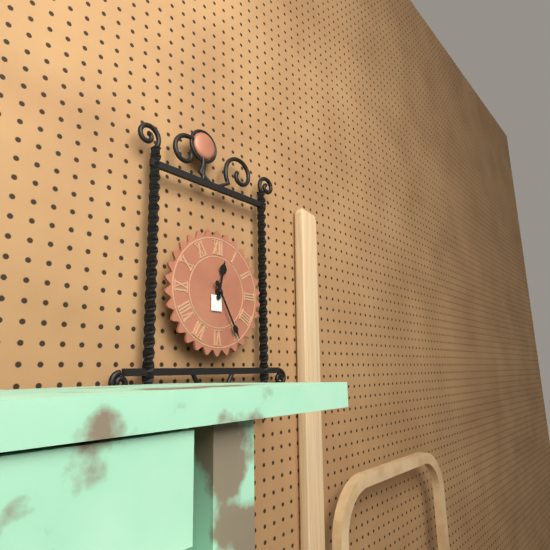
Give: 12h25
